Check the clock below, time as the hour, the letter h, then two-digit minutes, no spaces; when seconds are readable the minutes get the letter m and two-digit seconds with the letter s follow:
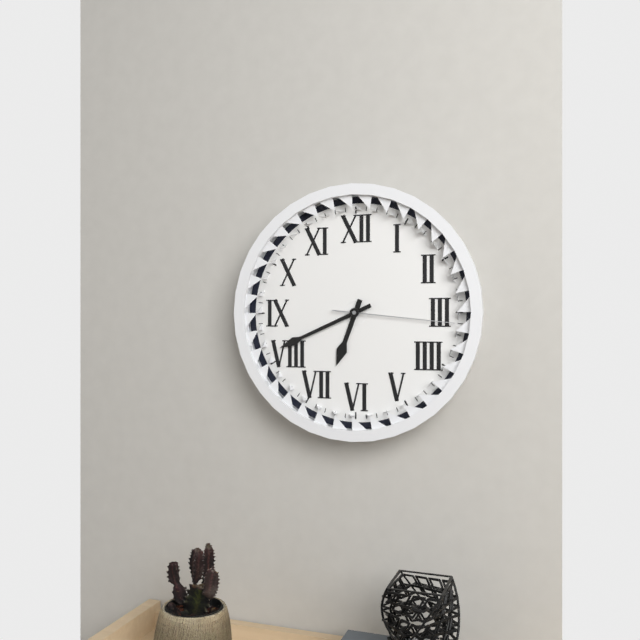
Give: 6h41m16s
